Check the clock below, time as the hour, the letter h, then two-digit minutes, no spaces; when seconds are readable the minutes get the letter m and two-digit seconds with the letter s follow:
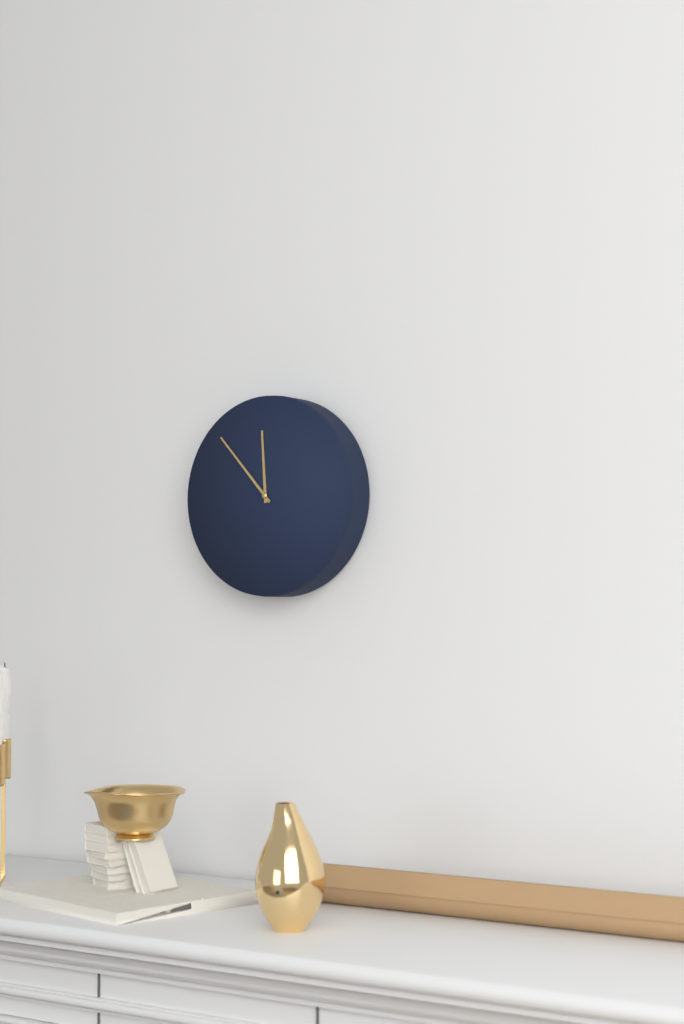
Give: 11h53
